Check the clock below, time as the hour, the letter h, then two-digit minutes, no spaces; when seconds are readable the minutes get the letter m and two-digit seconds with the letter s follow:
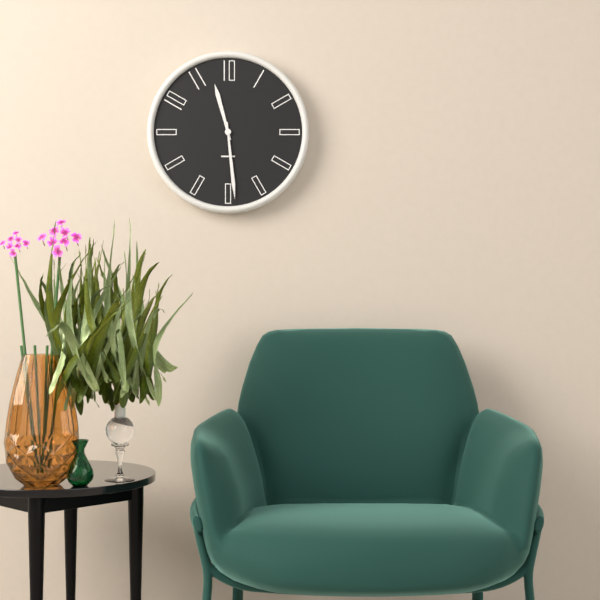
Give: 11h29
